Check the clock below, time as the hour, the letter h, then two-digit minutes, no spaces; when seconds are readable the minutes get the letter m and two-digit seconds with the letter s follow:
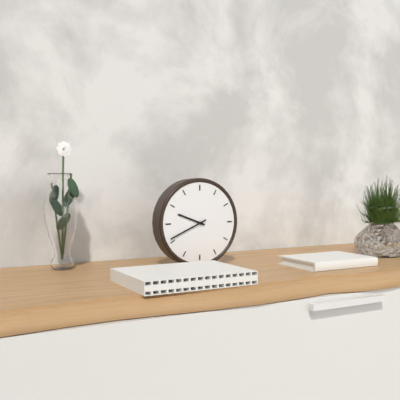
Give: 9h41
